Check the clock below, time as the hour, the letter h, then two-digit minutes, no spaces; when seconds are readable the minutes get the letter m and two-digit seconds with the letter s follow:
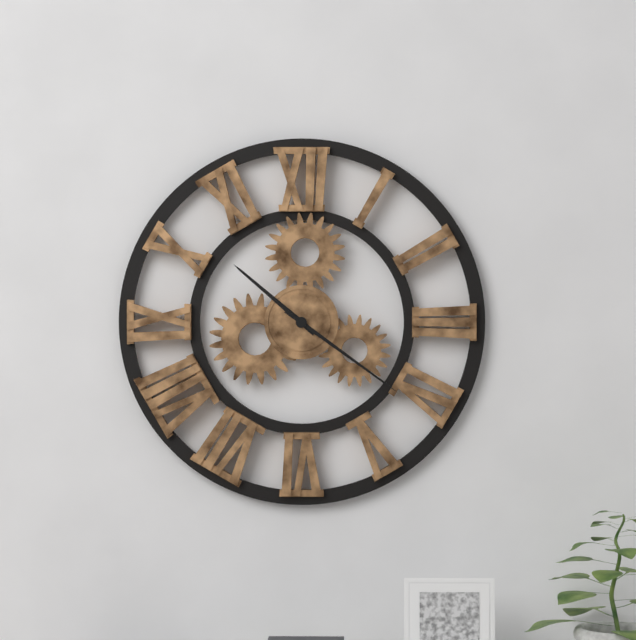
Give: 10h21
